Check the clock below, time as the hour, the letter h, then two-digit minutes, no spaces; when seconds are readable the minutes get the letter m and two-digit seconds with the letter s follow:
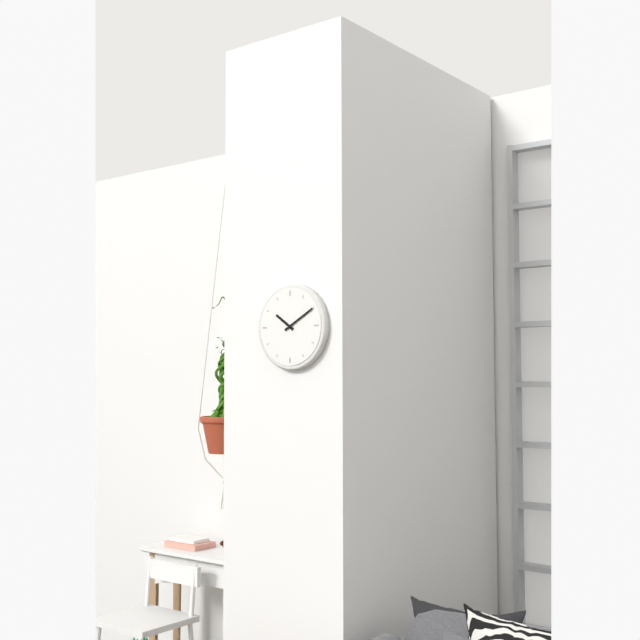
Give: 10h10
